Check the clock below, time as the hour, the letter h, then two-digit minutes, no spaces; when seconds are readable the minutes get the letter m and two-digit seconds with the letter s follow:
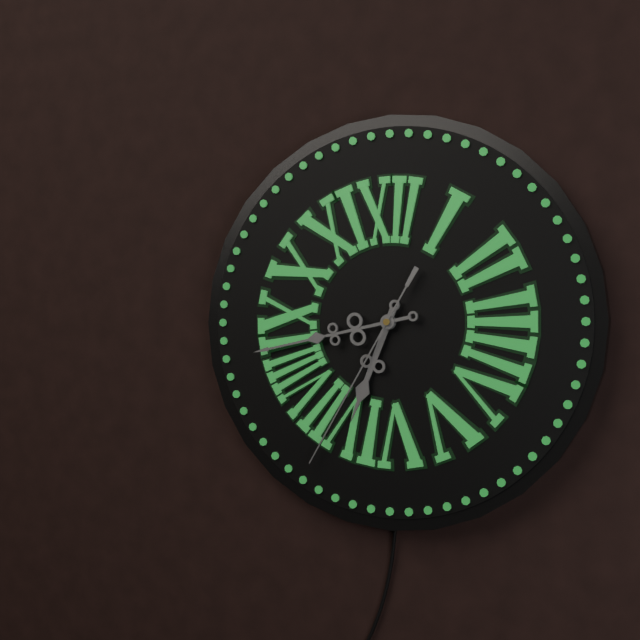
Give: 6h43m35s
